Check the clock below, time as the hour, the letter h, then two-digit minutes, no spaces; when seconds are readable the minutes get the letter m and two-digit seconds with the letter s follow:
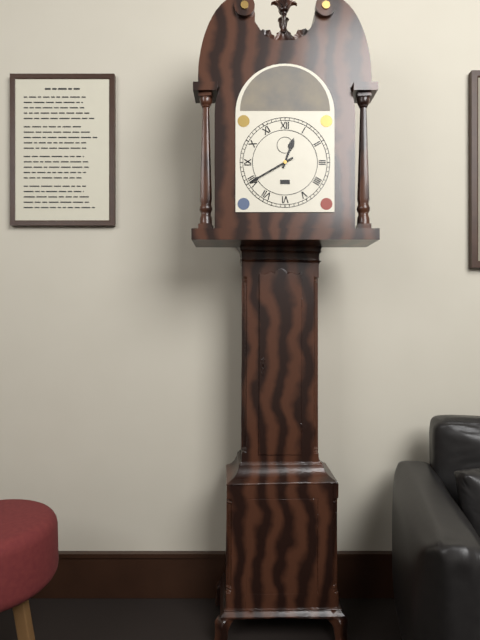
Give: 12h40
